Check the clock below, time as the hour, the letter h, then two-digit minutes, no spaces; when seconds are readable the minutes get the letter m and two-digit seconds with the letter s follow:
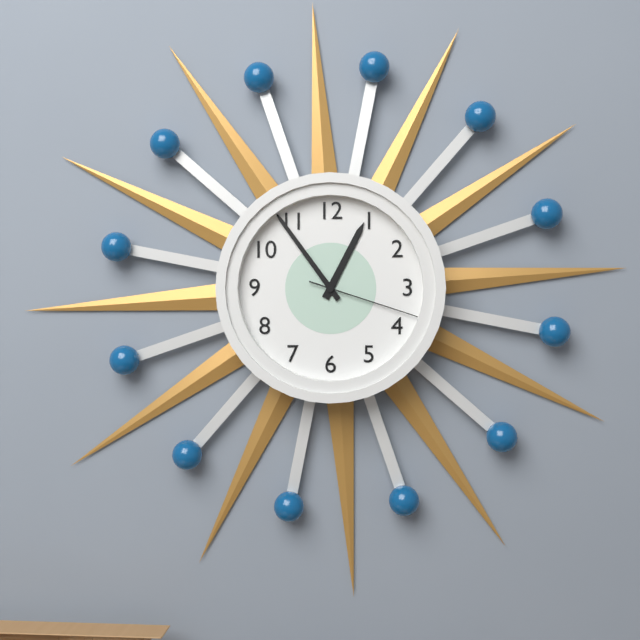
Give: 12h54m18s
